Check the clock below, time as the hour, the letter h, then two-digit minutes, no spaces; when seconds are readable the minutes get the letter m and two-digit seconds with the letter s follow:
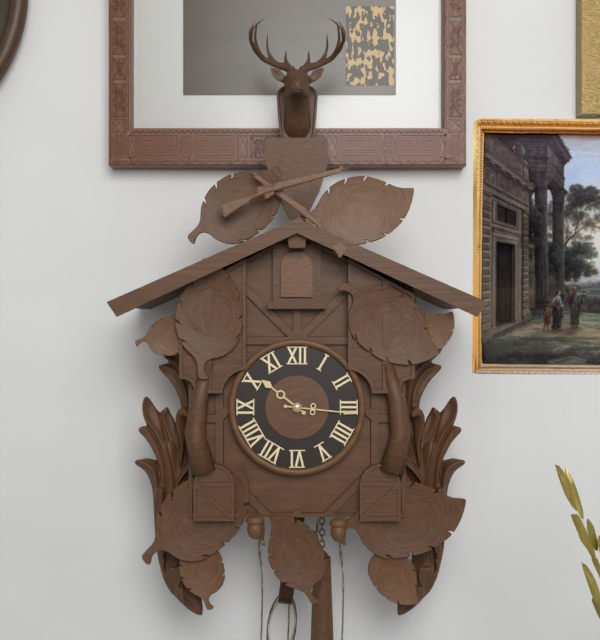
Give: 10h16
